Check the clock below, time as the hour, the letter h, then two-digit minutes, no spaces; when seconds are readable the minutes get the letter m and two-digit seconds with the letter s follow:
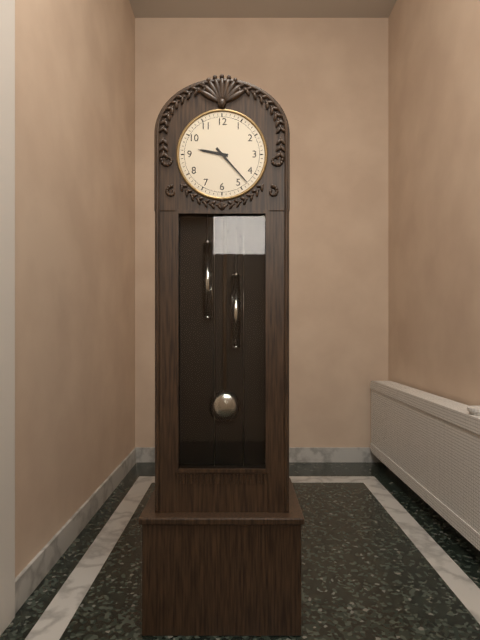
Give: 9h23
